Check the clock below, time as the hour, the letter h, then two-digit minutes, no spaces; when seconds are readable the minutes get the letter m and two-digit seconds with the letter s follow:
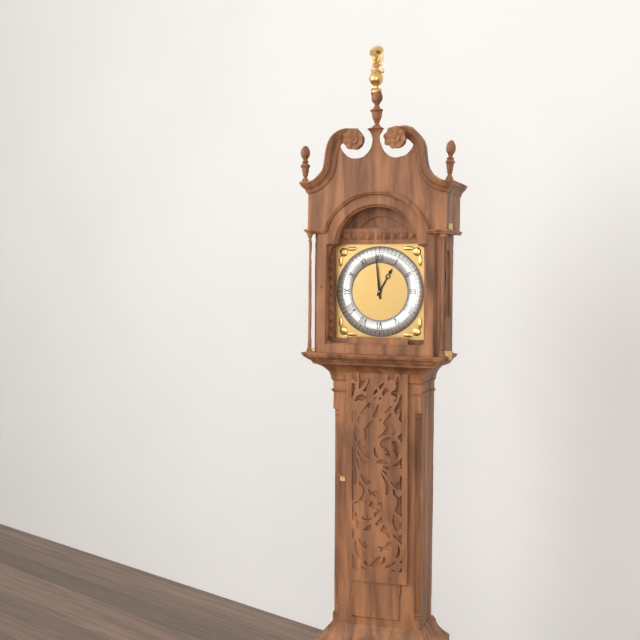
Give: 12h59
